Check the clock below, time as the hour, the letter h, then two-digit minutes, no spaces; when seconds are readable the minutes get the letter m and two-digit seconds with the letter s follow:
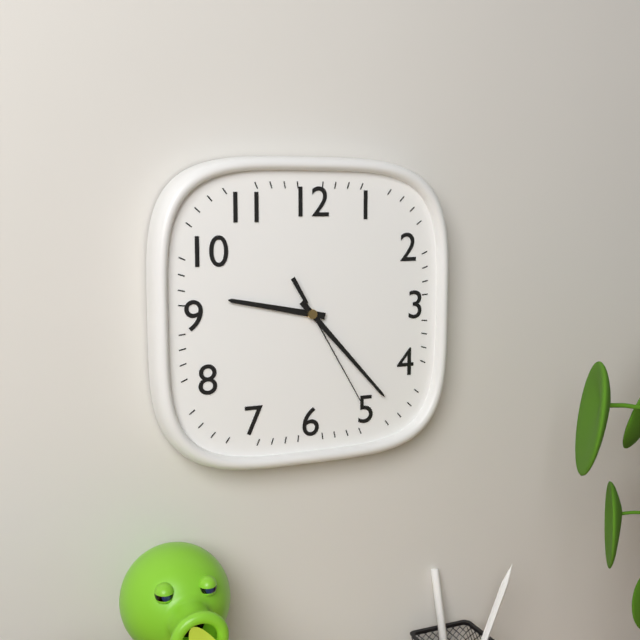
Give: 9h23m25s
